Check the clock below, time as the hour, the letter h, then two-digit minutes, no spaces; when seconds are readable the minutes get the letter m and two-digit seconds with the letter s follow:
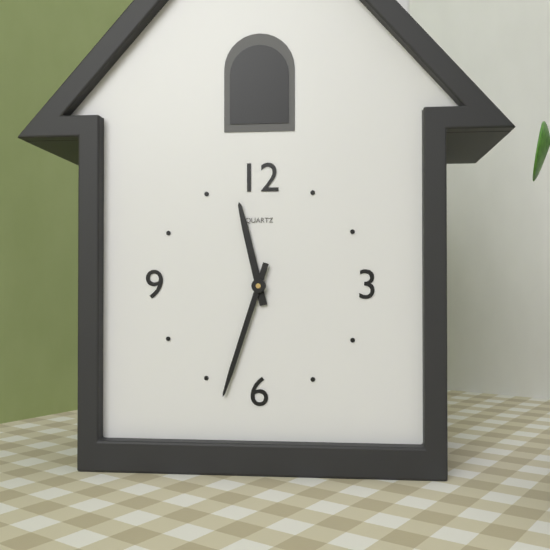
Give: 11h33
